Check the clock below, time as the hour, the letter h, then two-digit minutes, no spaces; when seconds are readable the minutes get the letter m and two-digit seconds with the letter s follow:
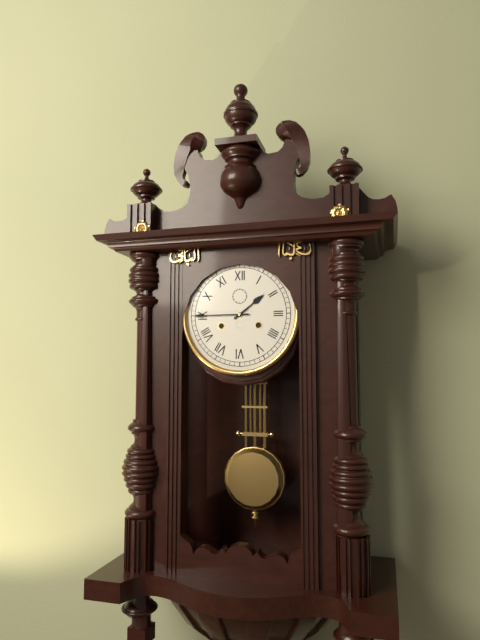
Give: 1h45
